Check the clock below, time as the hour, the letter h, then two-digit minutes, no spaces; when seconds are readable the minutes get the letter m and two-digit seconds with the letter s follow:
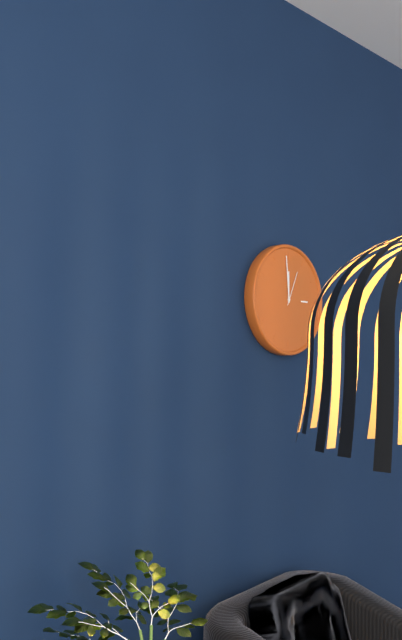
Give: 11h59
